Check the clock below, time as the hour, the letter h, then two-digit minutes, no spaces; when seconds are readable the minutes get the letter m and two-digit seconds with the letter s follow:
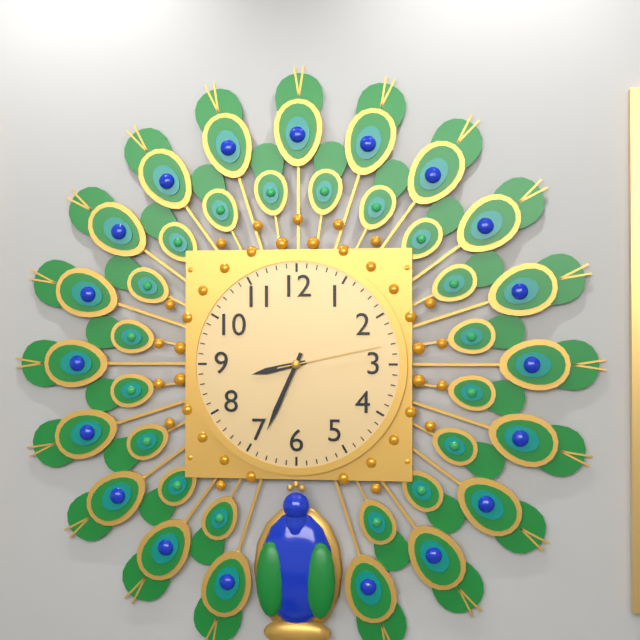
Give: 8h34m13s
